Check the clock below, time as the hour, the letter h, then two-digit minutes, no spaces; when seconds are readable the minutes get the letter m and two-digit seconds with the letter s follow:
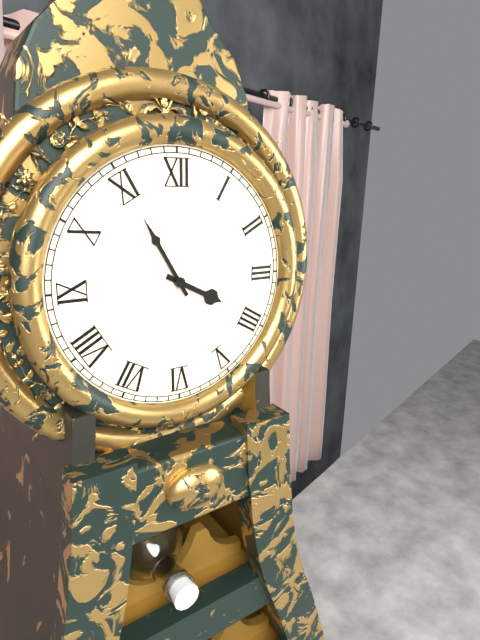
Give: 3h55
